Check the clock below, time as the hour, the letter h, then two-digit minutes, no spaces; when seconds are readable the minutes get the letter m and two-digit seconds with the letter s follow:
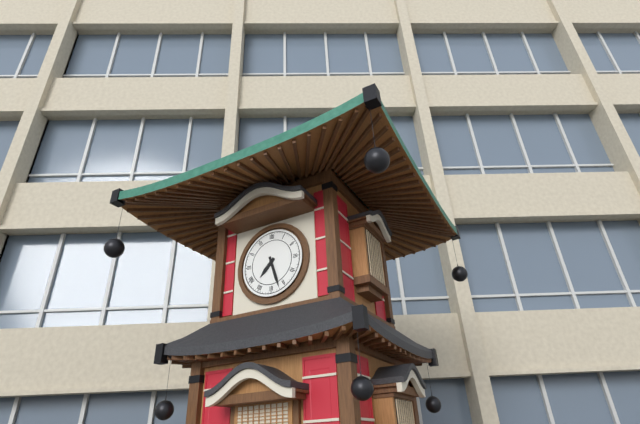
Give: 7h27
